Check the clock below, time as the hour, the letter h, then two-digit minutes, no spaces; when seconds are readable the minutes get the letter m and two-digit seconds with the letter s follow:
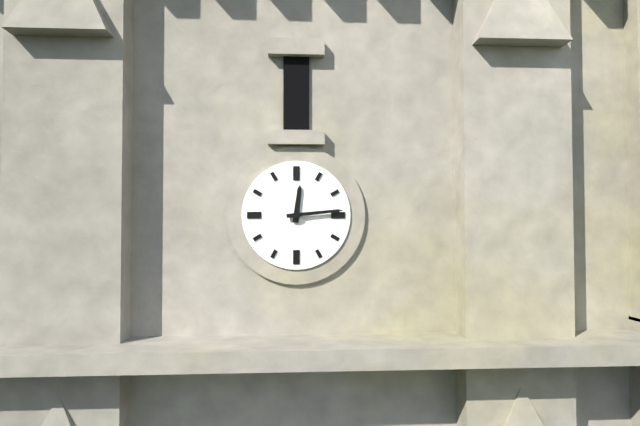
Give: 12h14
